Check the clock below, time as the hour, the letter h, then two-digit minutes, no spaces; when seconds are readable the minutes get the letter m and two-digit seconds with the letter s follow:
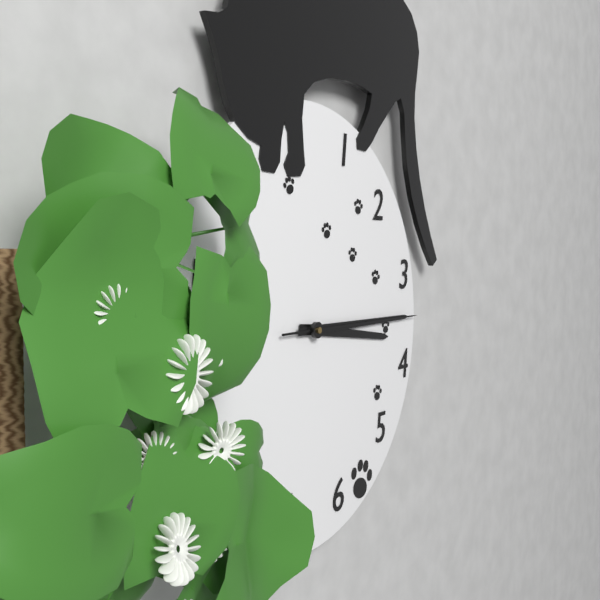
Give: 3h15m15s
